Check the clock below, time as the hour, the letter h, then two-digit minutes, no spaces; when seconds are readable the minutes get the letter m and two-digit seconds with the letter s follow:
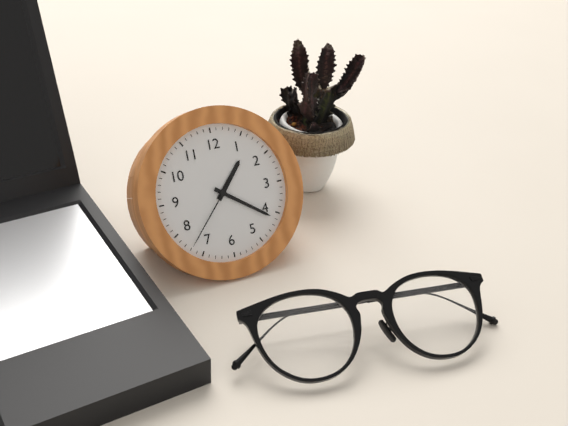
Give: 1h21m37s
